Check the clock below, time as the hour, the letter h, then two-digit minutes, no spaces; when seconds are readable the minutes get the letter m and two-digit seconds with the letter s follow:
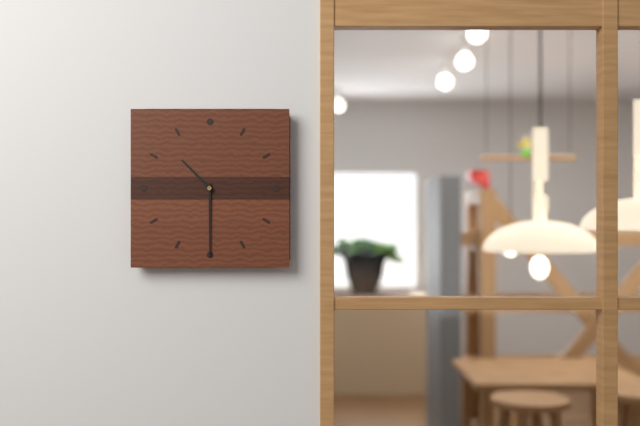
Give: 10h30
